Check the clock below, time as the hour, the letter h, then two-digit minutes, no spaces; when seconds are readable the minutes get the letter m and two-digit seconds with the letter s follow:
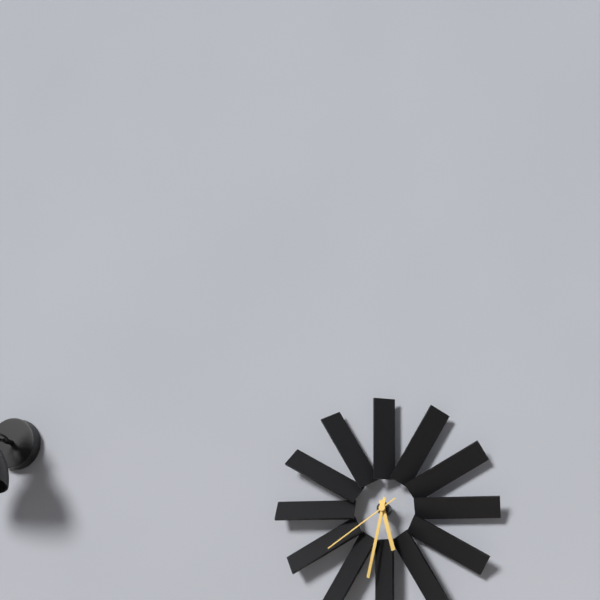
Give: 5h32m39s
